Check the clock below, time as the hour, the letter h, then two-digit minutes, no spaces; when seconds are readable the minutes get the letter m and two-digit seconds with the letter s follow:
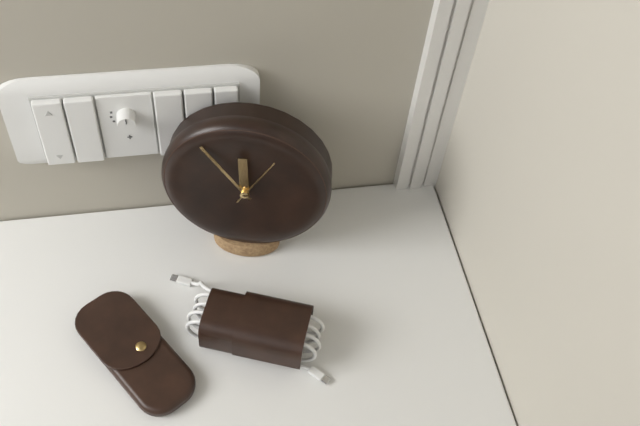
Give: 11h54m05s
